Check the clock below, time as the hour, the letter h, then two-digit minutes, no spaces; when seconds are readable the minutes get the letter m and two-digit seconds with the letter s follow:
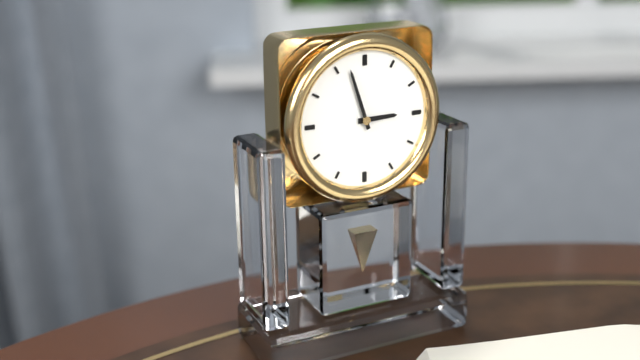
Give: 2h57
